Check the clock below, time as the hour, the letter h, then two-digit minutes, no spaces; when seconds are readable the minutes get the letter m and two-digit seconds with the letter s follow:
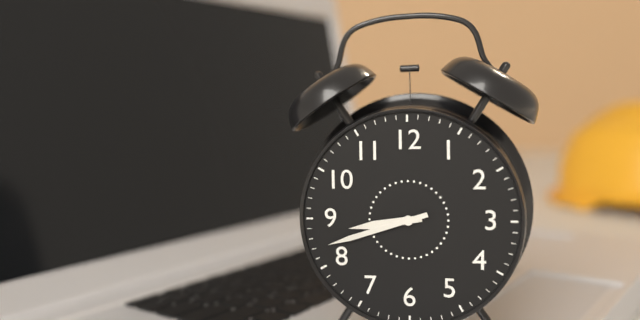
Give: 8h42
